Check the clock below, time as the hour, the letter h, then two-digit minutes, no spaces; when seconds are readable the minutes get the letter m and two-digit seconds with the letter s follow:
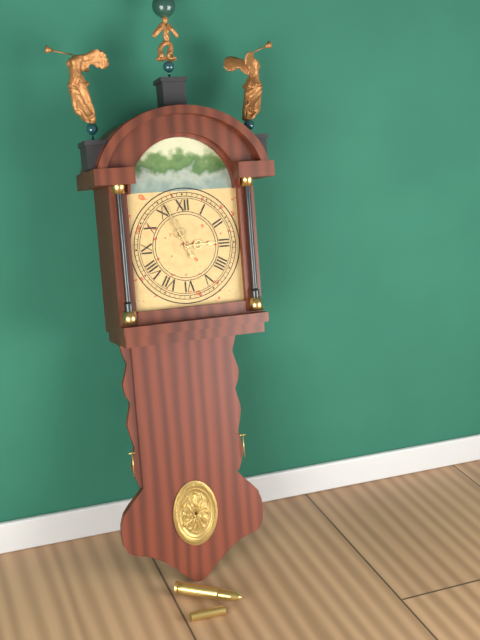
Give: 2h56
